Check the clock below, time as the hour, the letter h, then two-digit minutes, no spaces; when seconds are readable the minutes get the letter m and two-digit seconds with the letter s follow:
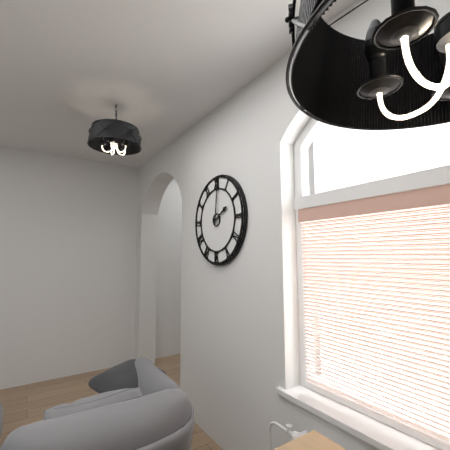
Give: 2h01
